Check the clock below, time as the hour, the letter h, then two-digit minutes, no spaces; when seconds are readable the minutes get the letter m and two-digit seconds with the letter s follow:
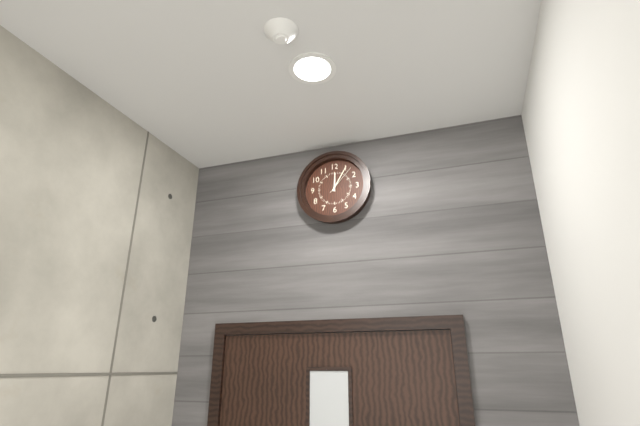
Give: 12h05
